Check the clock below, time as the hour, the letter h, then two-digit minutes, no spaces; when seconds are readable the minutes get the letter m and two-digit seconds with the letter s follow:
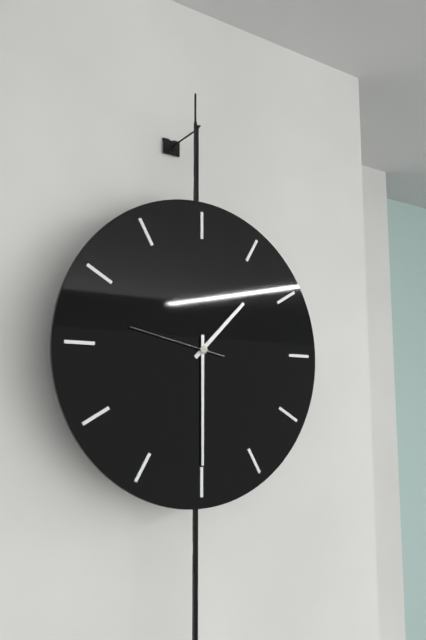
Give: 1h30m47s
